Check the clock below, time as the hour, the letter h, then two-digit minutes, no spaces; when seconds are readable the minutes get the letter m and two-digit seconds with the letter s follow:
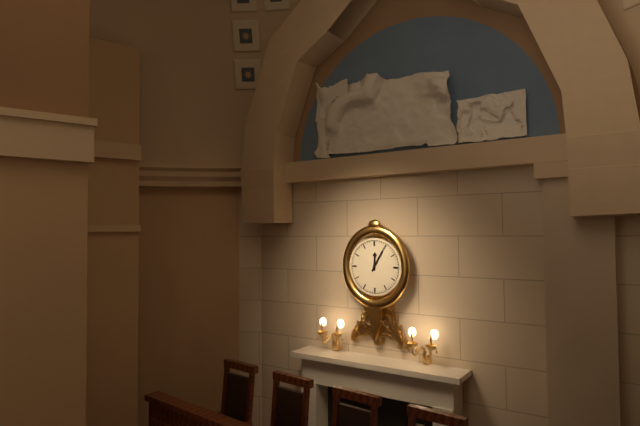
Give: 12h05
